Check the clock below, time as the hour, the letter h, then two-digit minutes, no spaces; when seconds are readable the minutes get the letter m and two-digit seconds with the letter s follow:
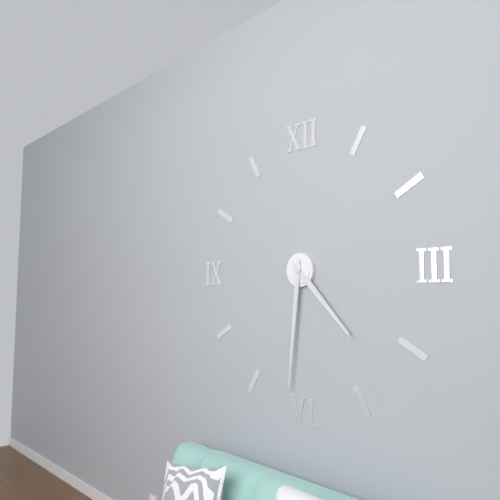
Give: 4h31
